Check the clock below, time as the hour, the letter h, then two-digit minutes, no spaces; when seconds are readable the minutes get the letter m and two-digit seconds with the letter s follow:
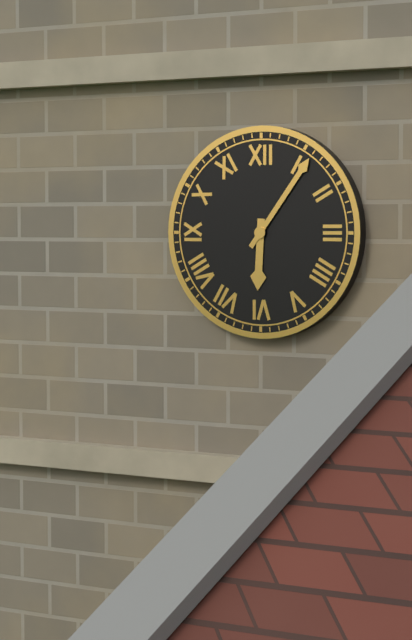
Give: 6h06
